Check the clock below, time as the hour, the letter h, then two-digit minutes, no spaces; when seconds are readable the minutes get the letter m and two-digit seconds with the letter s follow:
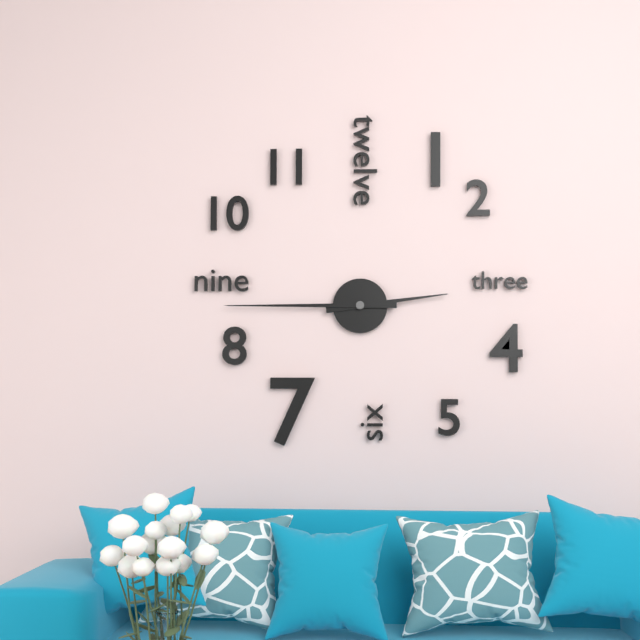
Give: 2h45
